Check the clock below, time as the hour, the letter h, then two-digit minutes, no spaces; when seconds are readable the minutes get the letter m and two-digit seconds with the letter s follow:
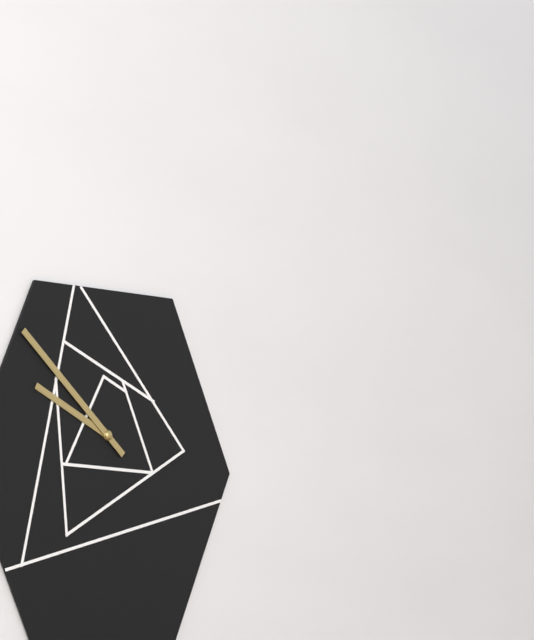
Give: 9h52
